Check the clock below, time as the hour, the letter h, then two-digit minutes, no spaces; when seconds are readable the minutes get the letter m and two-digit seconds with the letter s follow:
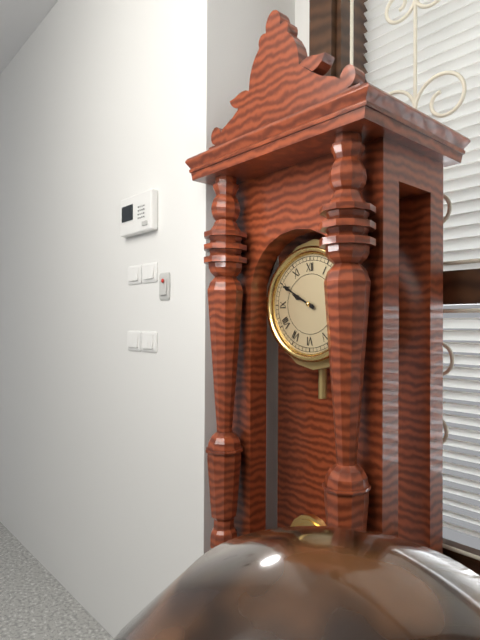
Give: 9h50
